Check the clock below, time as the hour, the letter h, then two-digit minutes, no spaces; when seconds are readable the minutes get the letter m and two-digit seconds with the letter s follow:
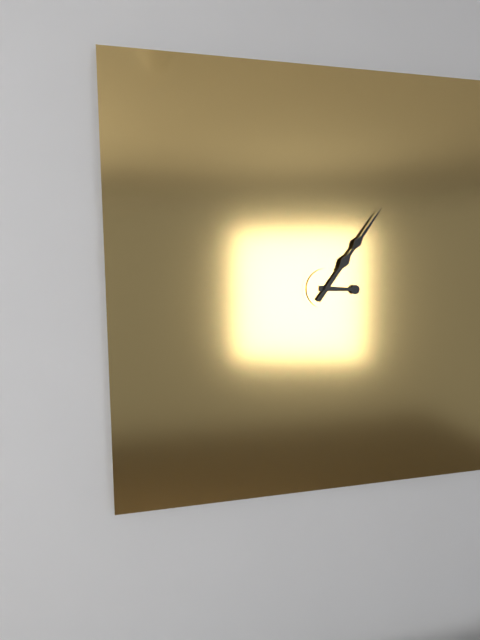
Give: 3h06
